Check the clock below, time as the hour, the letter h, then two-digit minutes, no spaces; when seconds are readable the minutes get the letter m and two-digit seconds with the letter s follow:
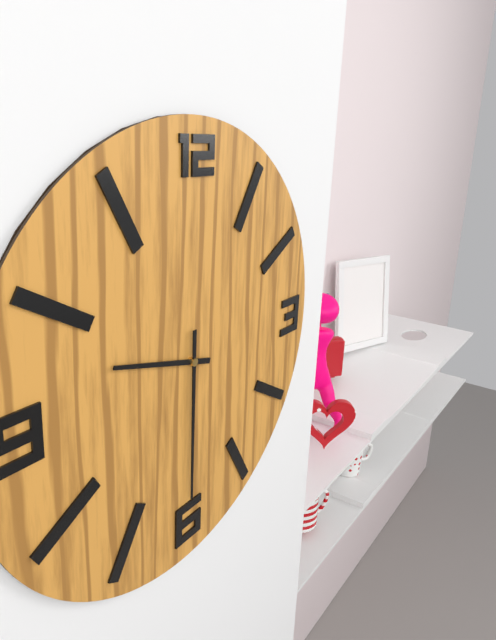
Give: 9h30
